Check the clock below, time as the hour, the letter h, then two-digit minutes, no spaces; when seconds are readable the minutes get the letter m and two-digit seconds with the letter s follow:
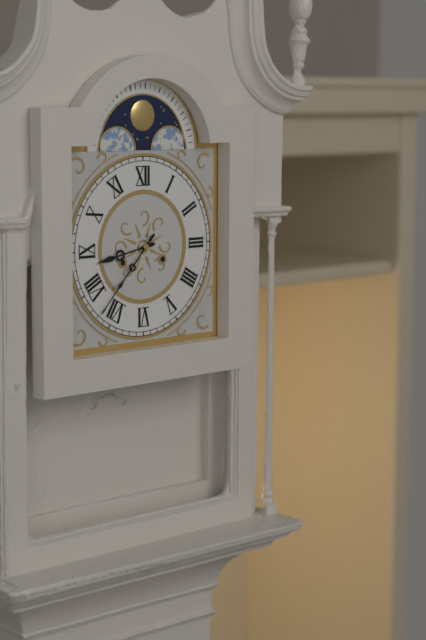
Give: 8h37
